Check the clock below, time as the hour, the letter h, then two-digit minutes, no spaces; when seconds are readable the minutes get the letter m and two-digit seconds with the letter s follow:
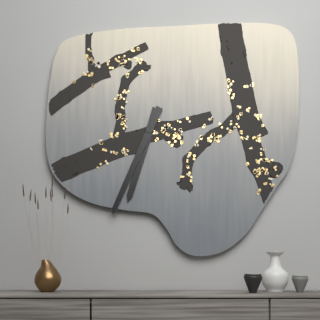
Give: 6h34
